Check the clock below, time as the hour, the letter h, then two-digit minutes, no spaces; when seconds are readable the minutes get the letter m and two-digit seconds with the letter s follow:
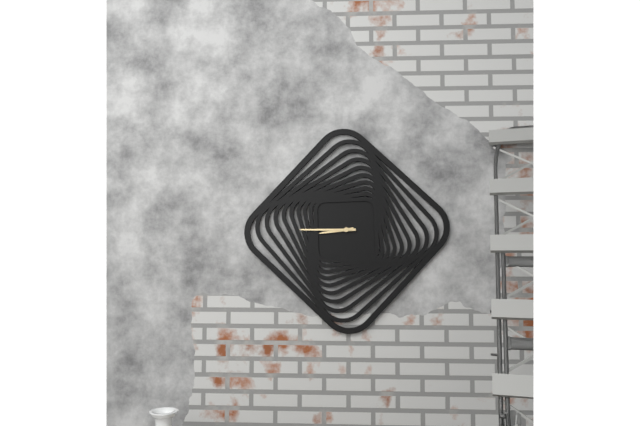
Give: 8h45
